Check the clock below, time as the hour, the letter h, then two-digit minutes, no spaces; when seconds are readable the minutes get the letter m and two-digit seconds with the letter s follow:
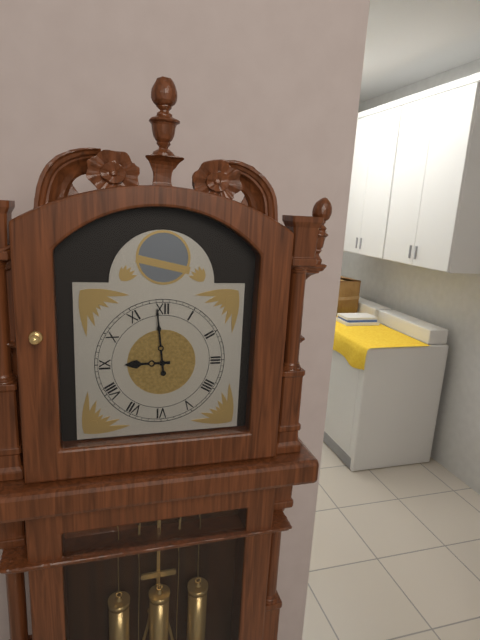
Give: 8h59
